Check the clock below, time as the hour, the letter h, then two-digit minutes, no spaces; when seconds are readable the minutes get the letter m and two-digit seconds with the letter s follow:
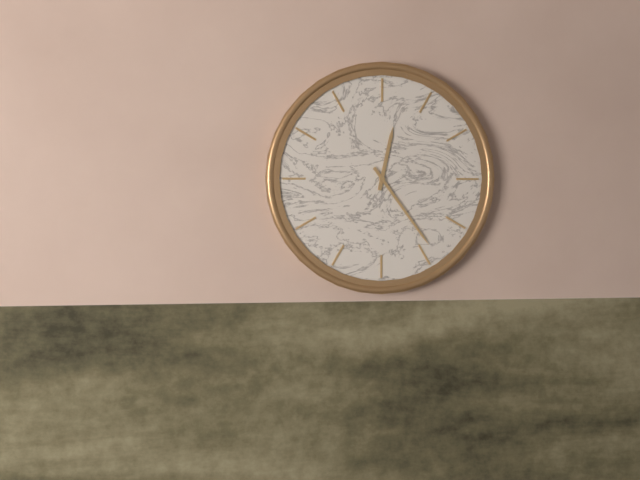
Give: 12h24
